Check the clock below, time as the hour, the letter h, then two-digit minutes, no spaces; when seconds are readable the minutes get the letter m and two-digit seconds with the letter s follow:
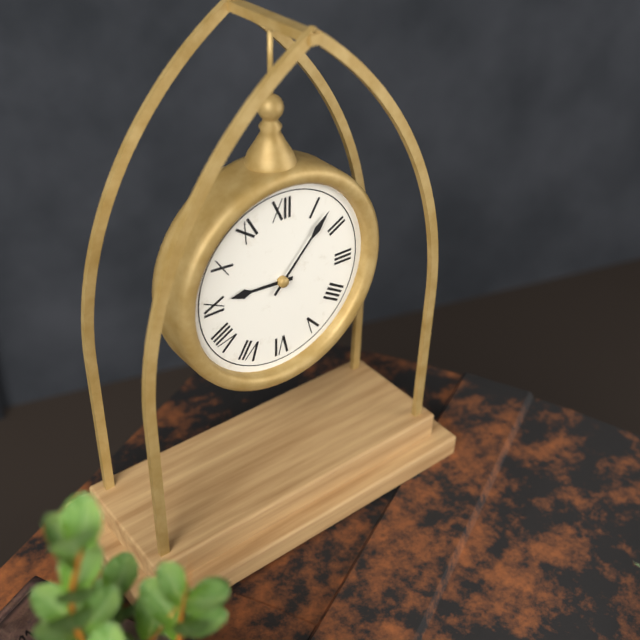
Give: 9h07
